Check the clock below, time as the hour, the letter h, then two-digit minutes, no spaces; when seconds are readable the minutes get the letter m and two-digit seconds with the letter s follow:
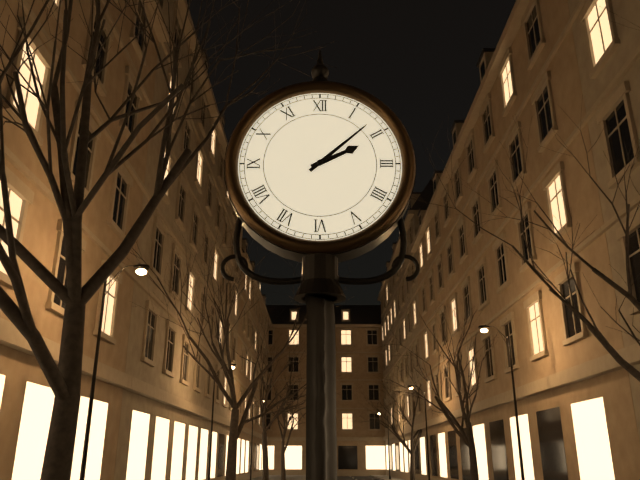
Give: 2h08
